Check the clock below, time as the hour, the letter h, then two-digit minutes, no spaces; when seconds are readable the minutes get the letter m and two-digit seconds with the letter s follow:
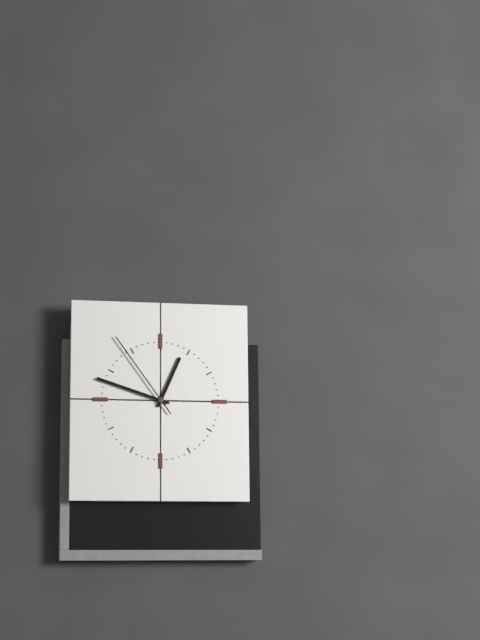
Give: 12h48m54s
